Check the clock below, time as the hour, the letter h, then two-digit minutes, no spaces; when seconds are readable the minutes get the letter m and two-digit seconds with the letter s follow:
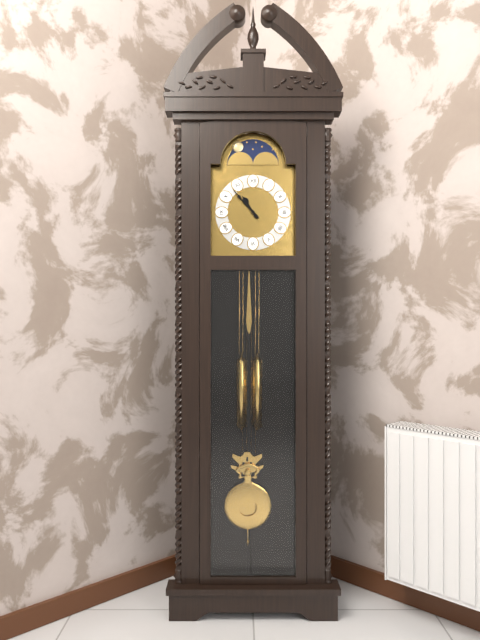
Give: 10h53
